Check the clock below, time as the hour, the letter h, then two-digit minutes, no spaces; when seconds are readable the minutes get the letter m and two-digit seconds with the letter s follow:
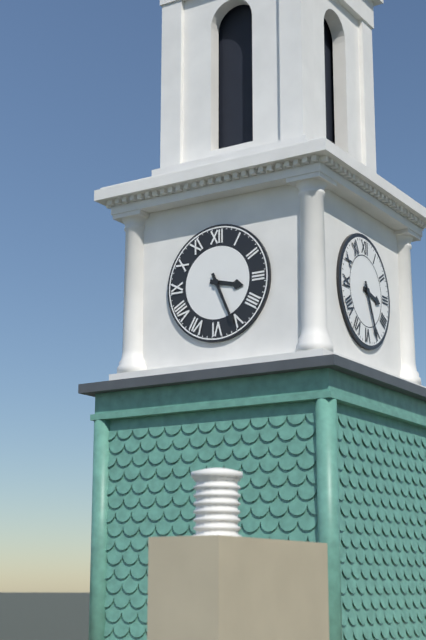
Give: 3h26
